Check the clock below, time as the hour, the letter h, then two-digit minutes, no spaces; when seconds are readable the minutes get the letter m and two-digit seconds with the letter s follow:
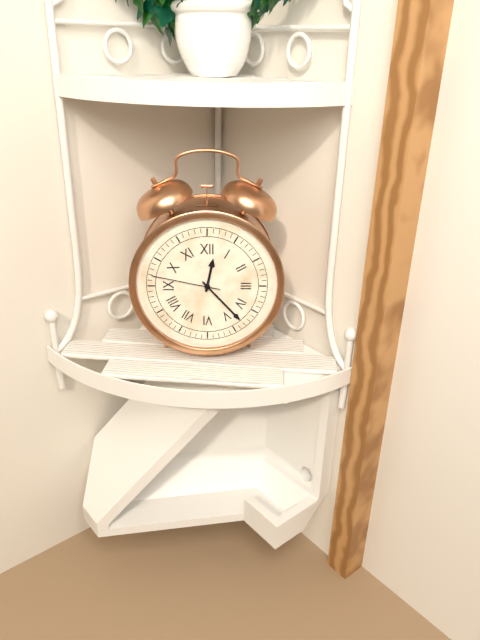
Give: 12h23m47s
